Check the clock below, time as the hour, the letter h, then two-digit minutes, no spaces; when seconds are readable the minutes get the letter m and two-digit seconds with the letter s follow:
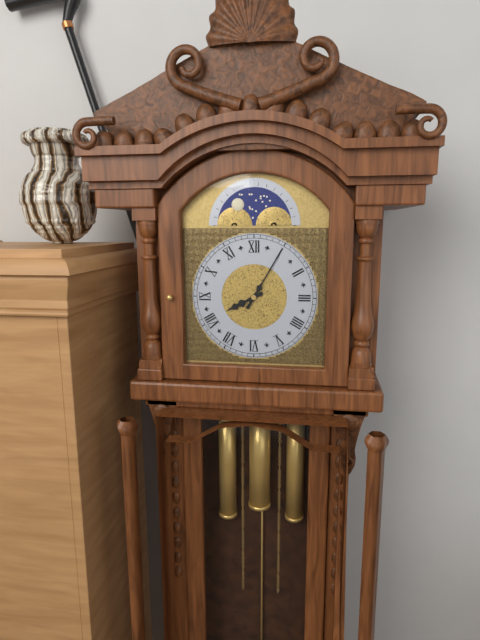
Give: 8h05
